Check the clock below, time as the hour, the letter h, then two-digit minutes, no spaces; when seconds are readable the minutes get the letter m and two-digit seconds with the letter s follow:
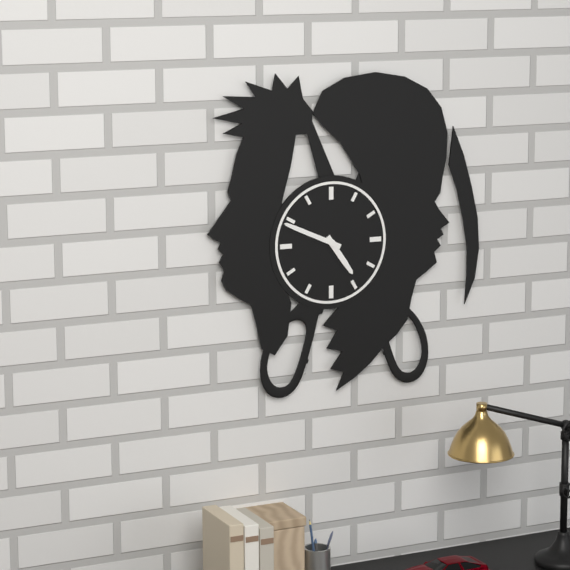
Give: 4h49
